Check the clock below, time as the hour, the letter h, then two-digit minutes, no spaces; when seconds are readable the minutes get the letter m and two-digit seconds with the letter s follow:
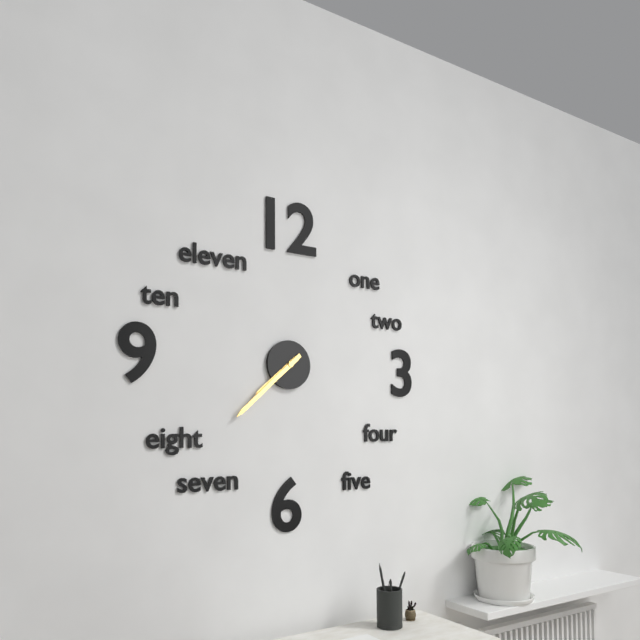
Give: 7h38
